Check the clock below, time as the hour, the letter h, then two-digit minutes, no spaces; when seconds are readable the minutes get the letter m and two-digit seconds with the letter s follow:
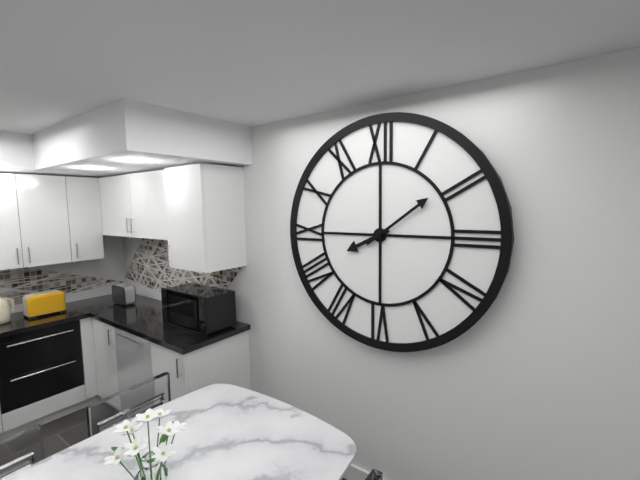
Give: 8h09
